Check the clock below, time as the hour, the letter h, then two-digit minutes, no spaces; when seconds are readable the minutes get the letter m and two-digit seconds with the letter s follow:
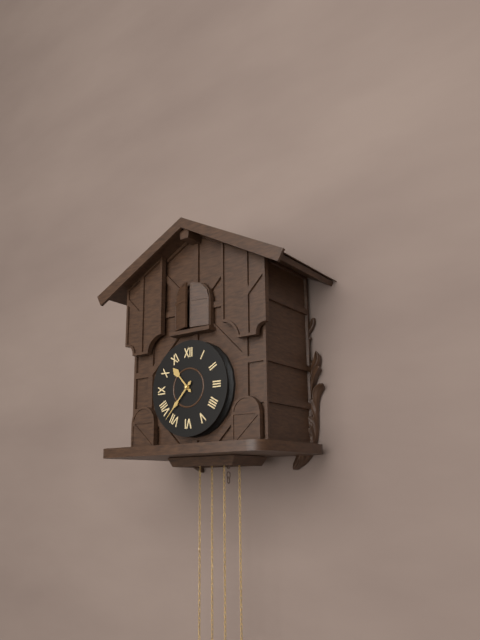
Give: 10h37
